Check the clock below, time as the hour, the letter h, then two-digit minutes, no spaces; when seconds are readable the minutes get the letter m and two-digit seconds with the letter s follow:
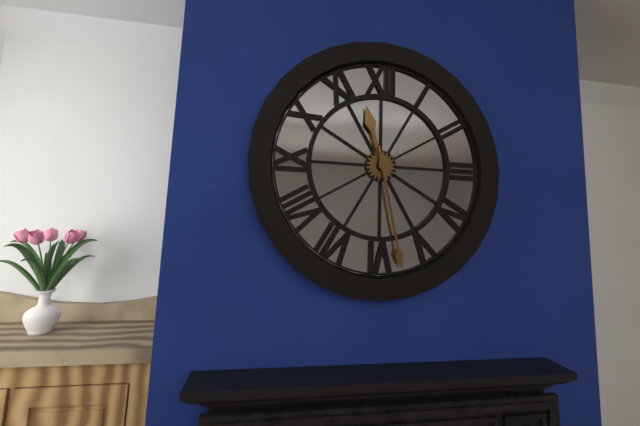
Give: 11h28
